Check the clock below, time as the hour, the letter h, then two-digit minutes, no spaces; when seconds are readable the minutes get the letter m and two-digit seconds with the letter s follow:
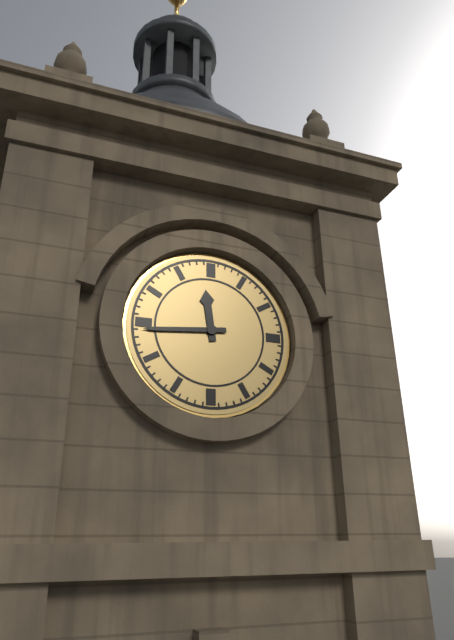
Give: 11h44
